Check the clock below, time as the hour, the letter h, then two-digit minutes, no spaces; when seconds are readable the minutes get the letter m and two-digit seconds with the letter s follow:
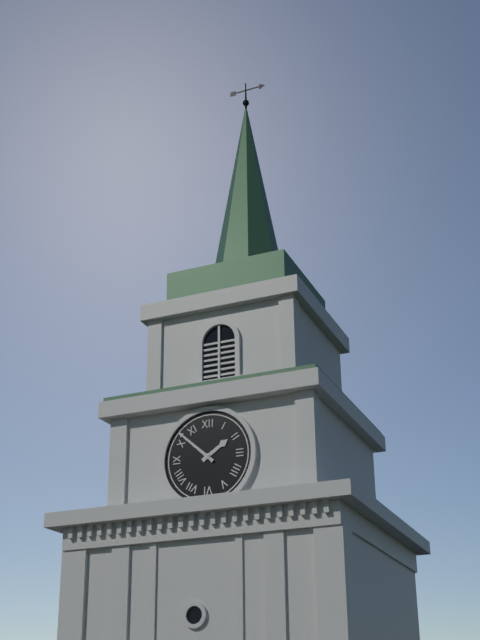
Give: 1h52
